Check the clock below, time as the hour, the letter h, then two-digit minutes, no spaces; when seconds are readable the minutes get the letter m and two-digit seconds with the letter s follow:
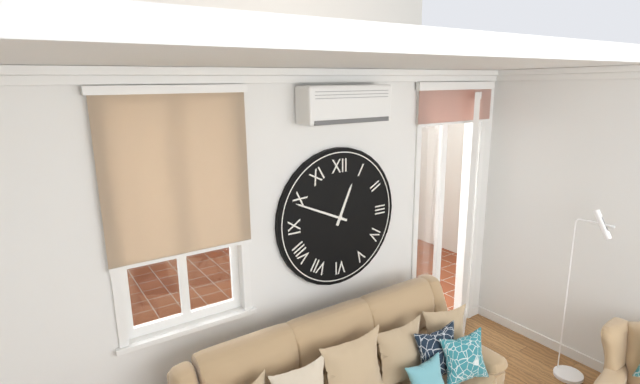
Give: 12h49
